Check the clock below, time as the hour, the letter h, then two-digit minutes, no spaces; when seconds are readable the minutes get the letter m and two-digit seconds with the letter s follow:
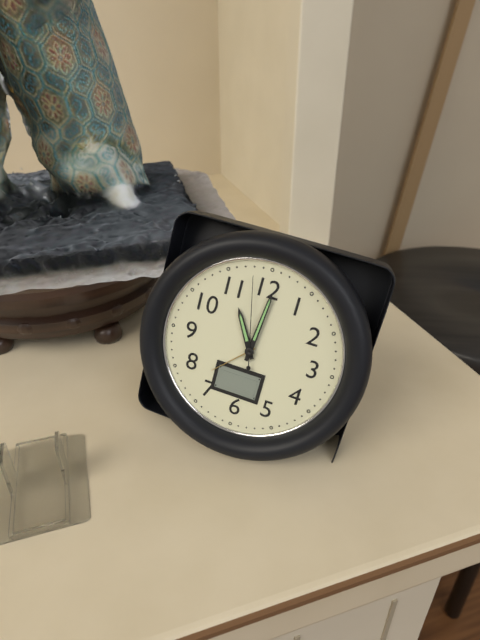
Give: 11h01m58s
